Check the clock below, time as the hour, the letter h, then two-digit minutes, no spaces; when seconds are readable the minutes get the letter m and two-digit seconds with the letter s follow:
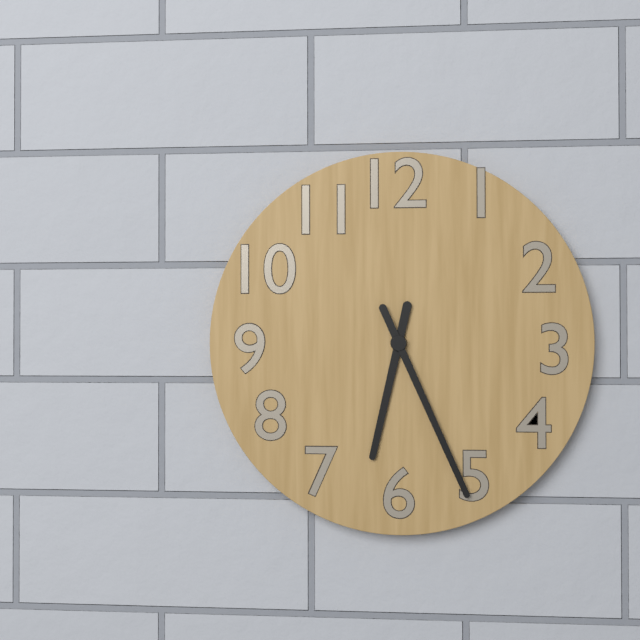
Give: 6h26
